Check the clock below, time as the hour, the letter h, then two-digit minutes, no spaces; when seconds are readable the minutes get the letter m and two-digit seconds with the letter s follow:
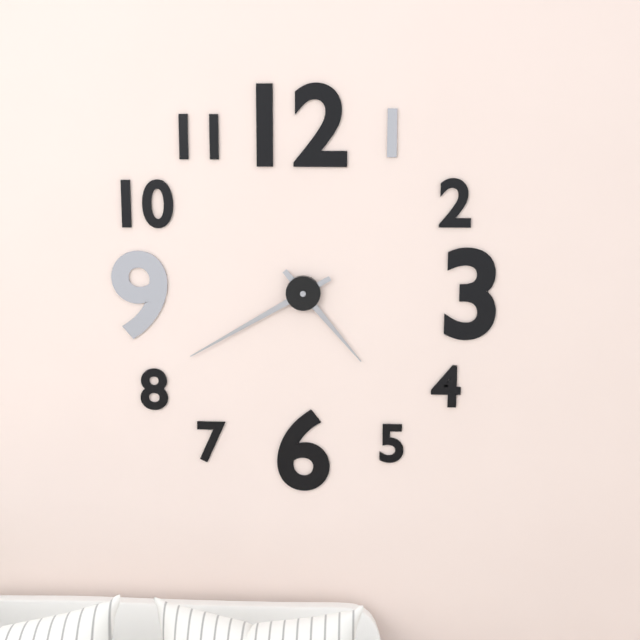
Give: 4h40
